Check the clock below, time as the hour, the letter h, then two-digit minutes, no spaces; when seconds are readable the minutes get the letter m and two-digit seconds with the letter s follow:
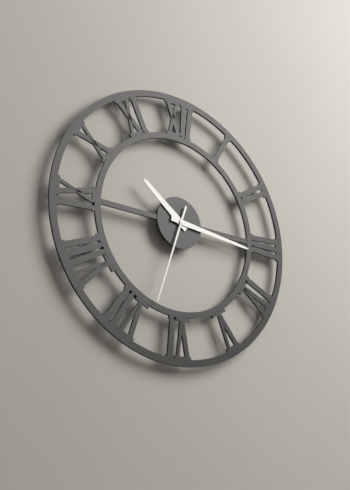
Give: 10h16m33s
